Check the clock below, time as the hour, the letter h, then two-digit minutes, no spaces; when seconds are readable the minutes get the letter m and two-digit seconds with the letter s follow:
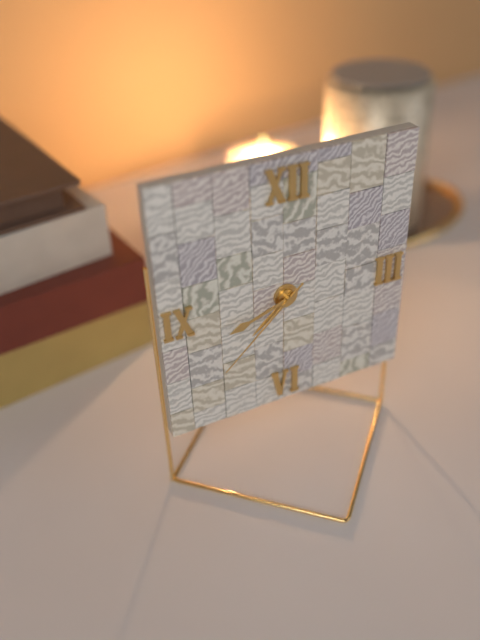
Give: 7h42m38s
